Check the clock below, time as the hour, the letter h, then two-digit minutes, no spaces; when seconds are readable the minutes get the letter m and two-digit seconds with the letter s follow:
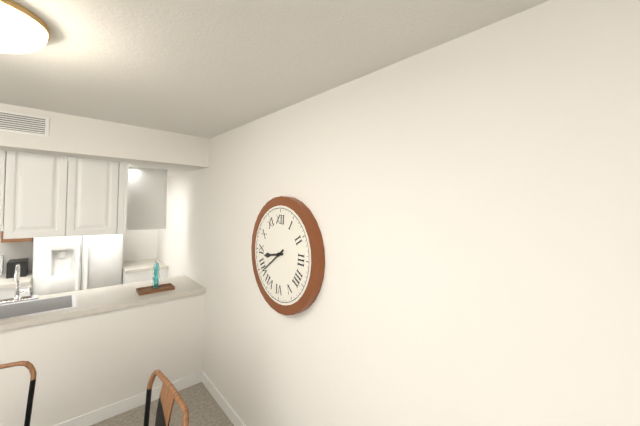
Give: 8h39
